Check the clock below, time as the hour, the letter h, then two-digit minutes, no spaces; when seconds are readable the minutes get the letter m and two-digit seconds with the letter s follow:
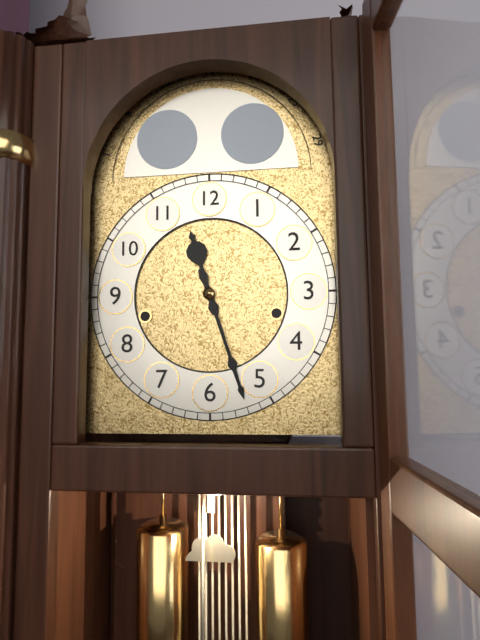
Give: 11h27
